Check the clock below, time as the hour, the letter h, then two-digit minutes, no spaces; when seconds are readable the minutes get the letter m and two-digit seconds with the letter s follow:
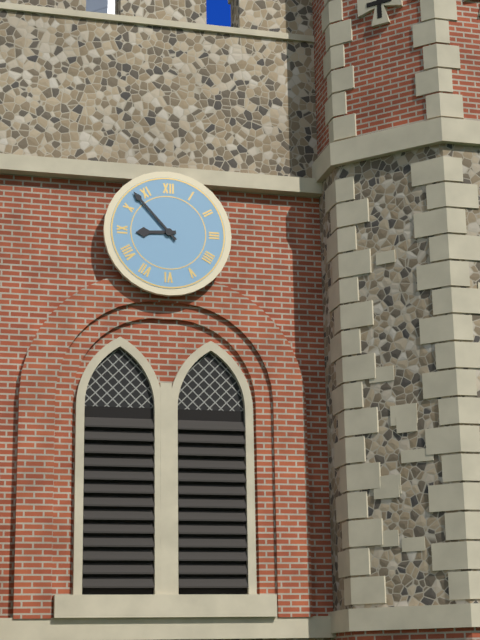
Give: 8h53
